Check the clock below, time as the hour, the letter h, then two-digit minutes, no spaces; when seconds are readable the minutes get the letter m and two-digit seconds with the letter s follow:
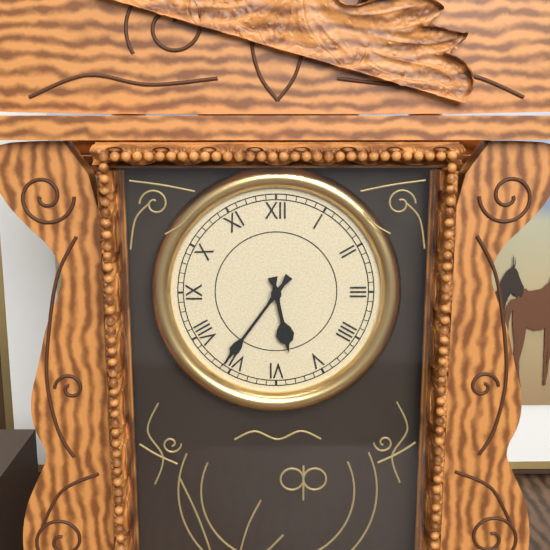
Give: 5h36
